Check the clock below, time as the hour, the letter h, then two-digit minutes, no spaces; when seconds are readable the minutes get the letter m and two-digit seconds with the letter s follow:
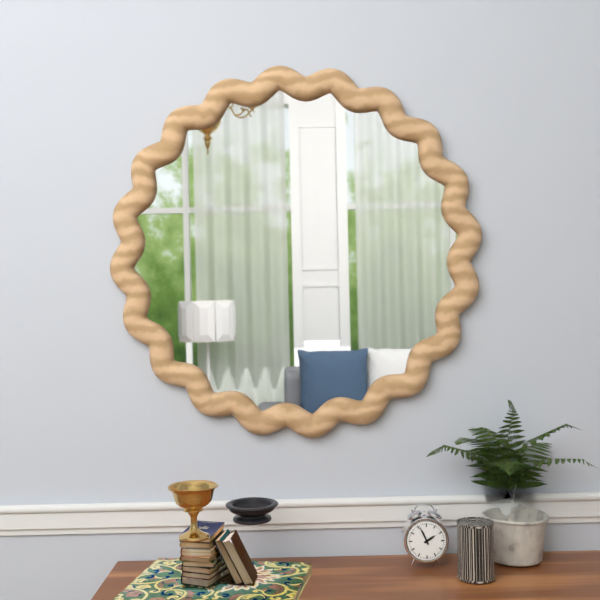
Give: 1h56
